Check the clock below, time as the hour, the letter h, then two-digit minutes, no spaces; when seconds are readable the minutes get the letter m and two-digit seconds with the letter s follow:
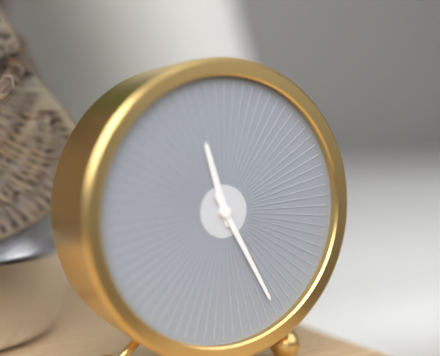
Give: 11h25
